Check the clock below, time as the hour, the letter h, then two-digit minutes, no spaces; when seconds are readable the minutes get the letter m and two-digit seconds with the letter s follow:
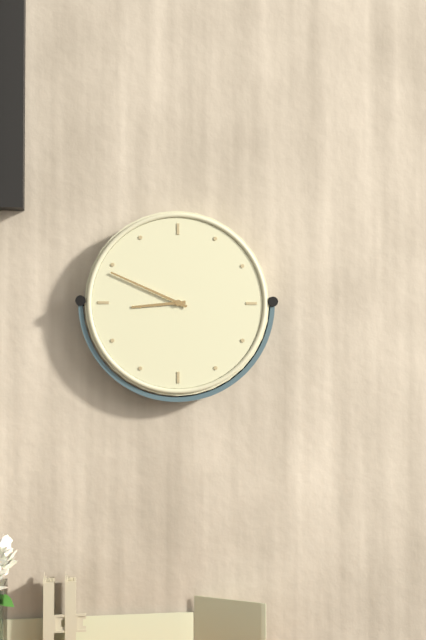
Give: 8h49
